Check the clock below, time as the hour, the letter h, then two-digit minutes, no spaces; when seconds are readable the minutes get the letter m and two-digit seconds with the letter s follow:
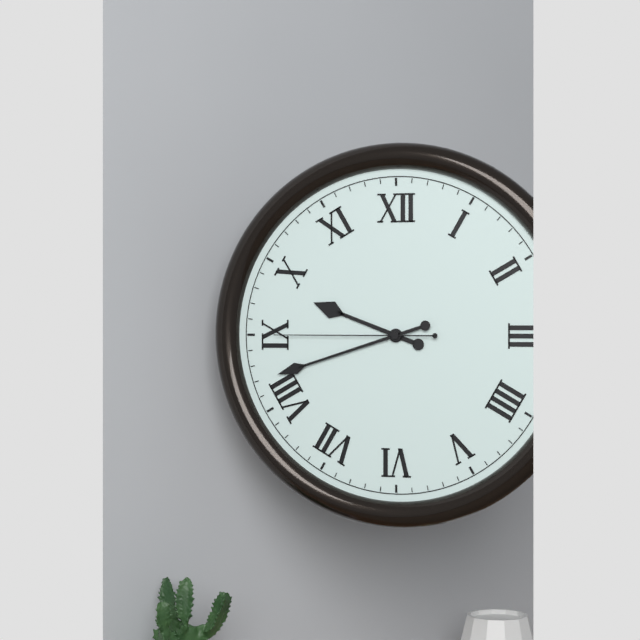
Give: 9h42m45s
